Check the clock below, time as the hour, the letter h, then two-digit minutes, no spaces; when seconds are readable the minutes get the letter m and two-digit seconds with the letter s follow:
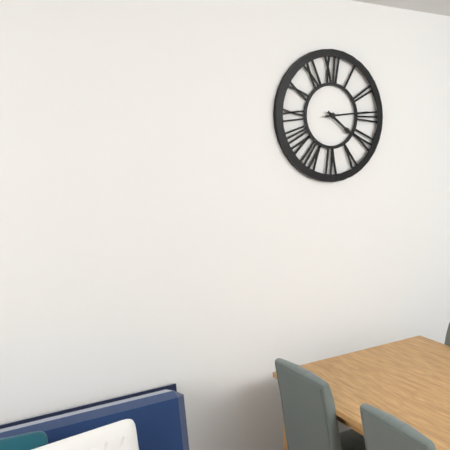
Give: 4h14
